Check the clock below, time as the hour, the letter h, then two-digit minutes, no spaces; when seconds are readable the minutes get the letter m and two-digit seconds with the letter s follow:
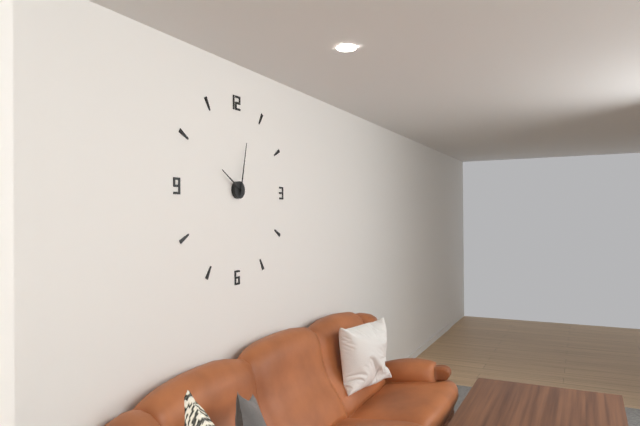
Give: 10h02
